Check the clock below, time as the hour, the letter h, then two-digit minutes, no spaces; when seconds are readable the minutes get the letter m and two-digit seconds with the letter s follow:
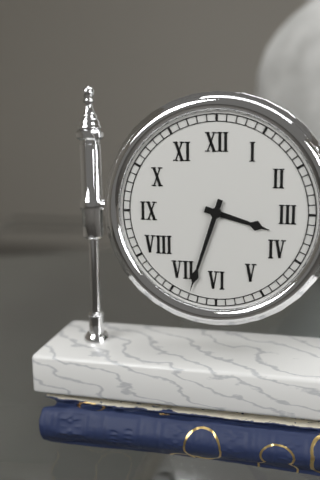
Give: 3h33
